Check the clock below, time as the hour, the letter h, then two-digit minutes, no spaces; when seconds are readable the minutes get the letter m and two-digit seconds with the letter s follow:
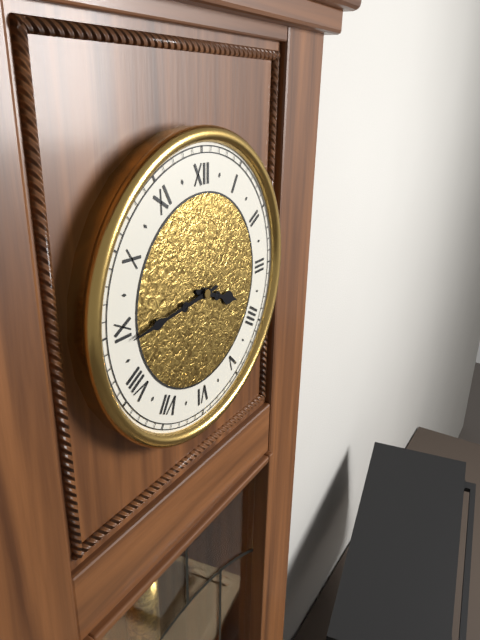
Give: 3h44
